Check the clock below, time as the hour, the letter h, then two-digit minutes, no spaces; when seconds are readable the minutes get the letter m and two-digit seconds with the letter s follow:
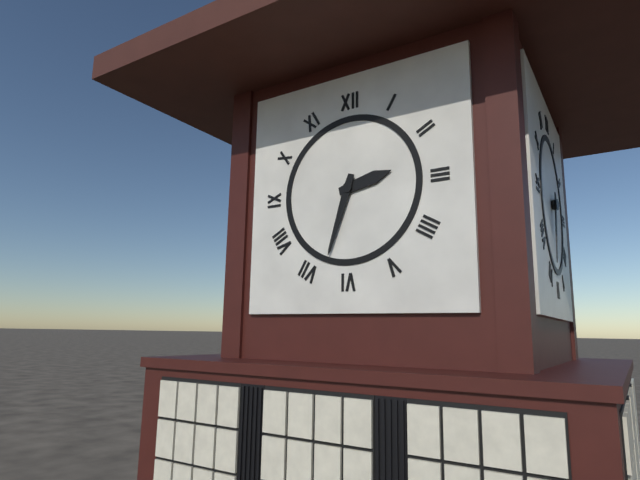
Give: 2h33
